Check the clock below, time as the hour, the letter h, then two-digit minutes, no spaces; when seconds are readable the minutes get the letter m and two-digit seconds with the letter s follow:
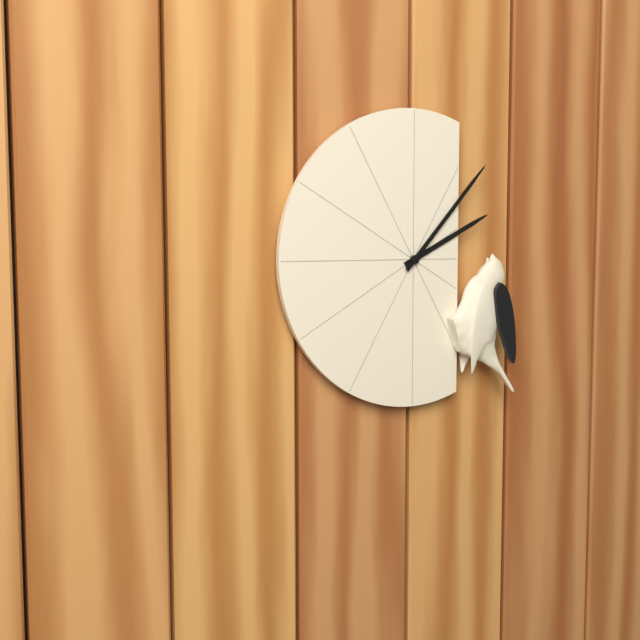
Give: 2h07
